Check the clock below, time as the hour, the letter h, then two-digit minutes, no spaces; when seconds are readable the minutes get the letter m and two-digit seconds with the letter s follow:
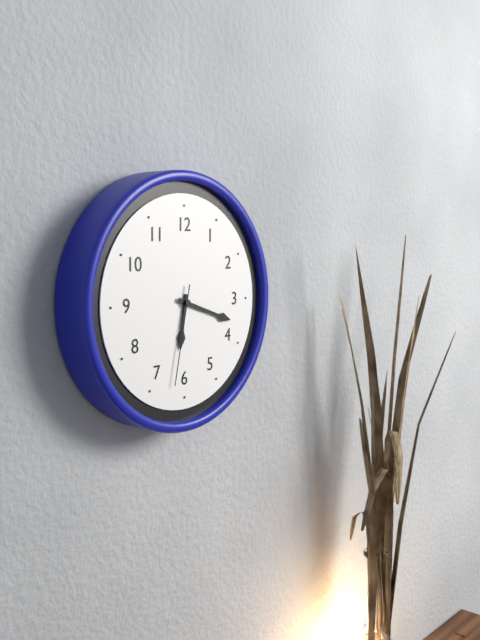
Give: 6h18m32s
